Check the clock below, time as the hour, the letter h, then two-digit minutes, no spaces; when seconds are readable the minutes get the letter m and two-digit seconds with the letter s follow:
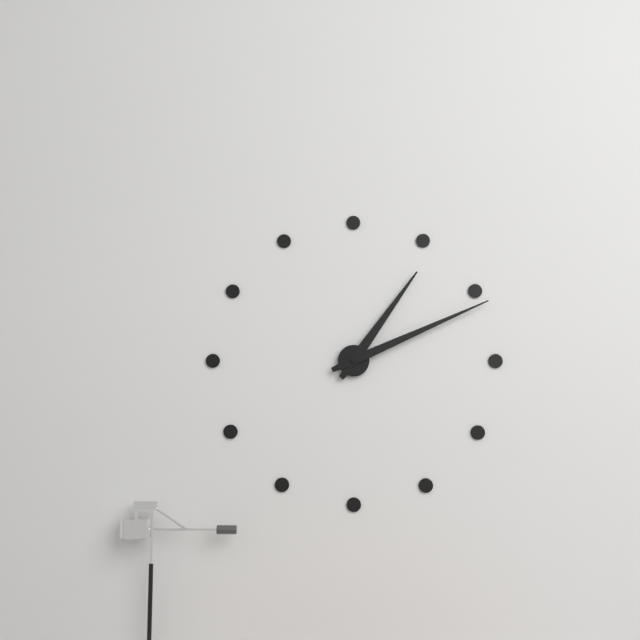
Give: 1h11
